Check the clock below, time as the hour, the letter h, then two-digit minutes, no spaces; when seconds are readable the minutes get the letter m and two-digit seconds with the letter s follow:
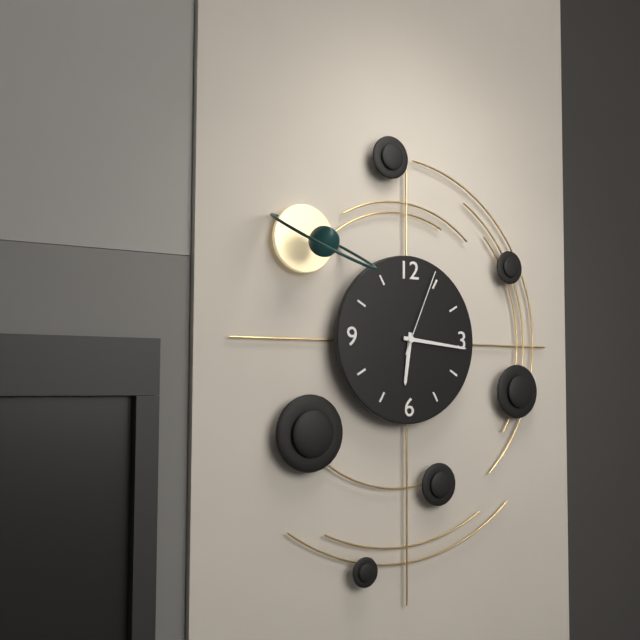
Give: 6h16m04s
